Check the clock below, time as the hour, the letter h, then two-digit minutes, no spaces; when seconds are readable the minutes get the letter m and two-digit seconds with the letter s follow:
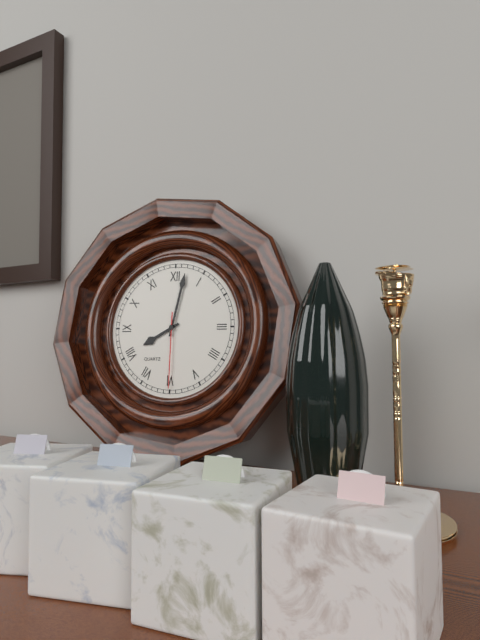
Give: 8h02m30s
